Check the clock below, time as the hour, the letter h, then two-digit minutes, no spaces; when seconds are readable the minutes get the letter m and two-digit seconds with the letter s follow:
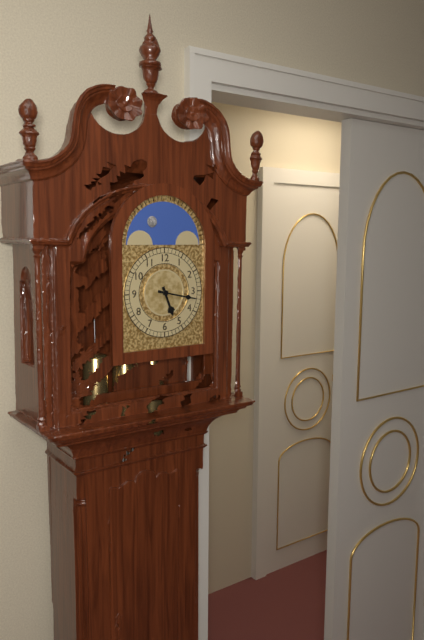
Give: 5h17
